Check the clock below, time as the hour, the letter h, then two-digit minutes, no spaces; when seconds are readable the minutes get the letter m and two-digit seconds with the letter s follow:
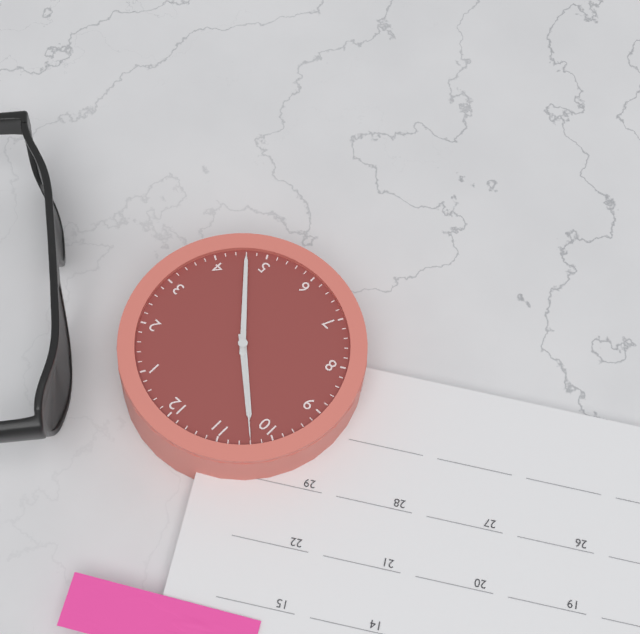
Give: 10h23m52s
